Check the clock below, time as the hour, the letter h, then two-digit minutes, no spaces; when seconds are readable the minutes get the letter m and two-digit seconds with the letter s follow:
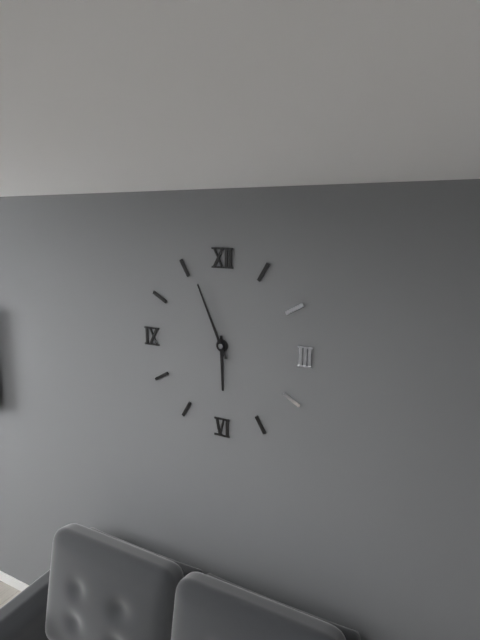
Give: 5h56
